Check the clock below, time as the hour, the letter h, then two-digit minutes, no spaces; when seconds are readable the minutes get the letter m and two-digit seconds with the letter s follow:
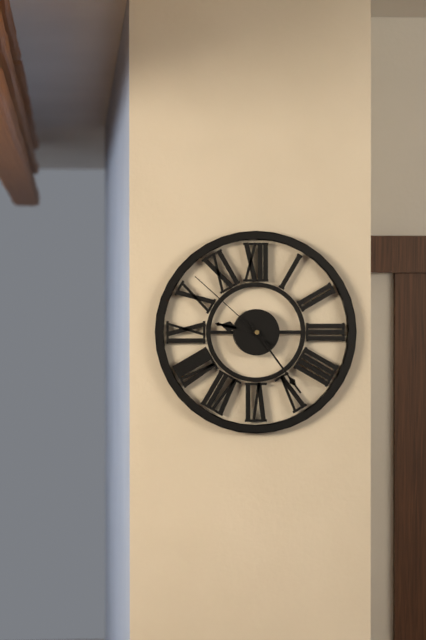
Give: 9h24m52s
